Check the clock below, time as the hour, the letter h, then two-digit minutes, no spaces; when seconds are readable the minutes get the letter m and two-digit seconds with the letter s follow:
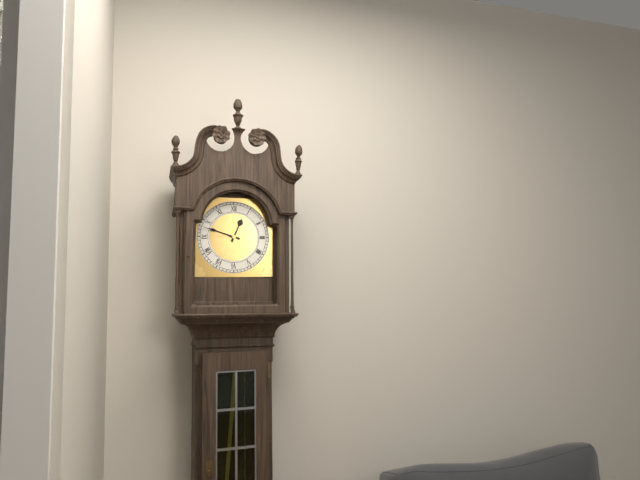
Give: 12h48
